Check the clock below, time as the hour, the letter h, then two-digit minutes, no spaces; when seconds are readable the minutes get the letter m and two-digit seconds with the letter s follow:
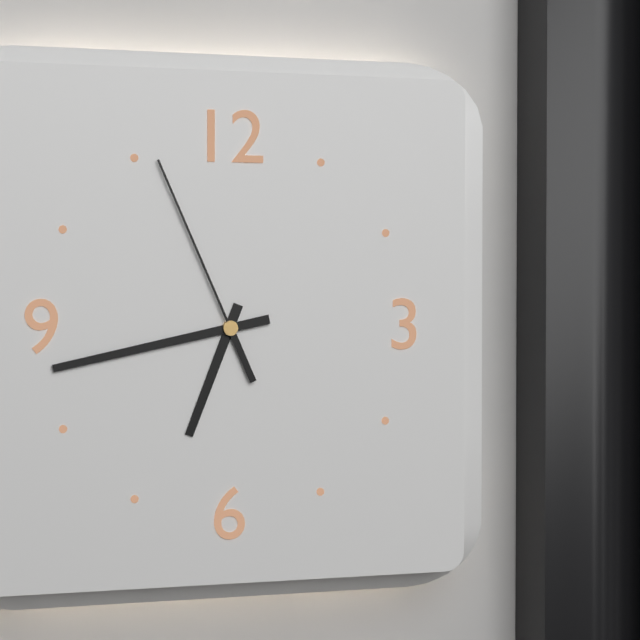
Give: 6h43m56s
